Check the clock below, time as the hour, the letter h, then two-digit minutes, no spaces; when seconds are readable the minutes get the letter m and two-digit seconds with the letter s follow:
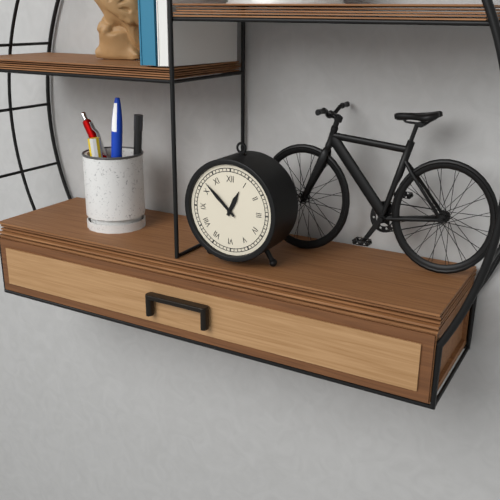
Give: 12h52
